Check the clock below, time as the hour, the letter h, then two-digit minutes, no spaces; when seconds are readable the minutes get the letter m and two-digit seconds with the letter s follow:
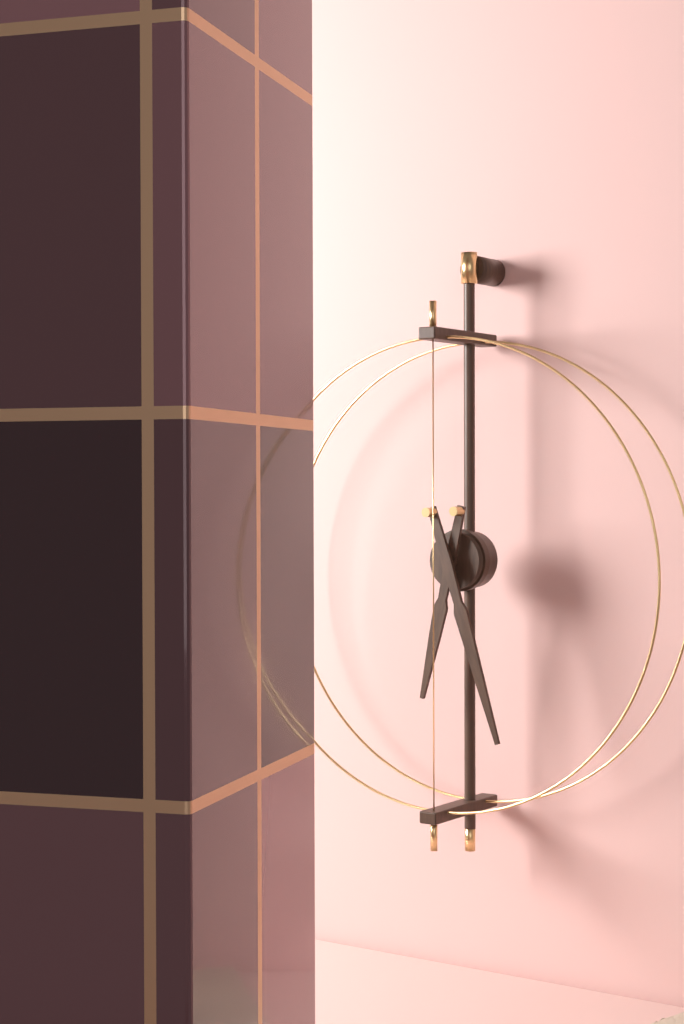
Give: 6h27
